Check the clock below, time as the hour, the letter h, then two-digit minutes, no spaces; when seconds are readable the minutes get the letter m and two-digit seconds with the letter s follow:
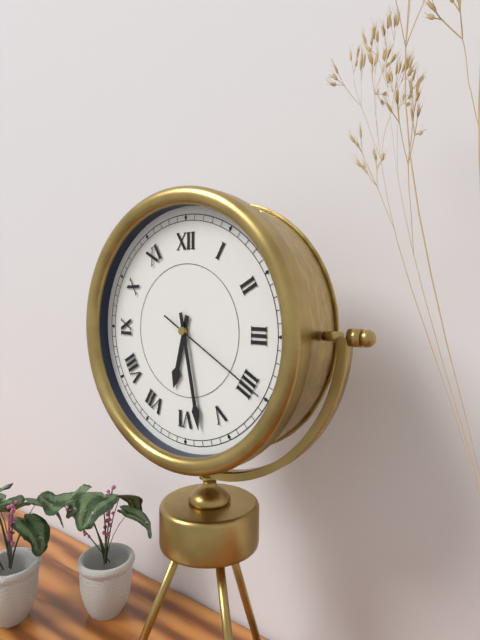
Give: 6h28m20s
